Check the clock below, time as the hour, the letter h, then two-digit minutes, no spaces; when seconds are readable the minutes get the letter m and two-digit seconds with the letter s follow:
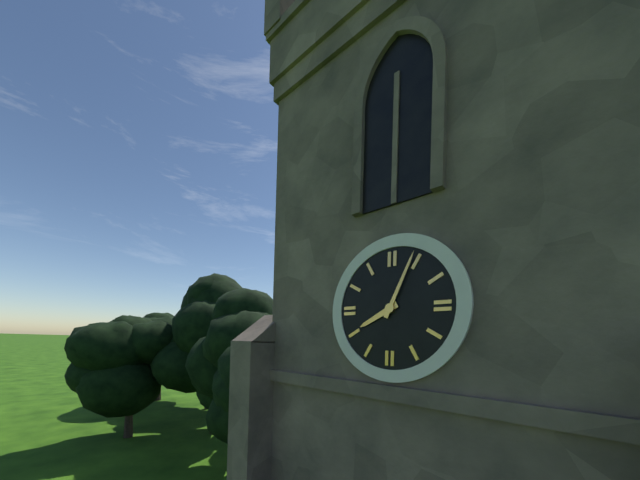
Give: 8h04
